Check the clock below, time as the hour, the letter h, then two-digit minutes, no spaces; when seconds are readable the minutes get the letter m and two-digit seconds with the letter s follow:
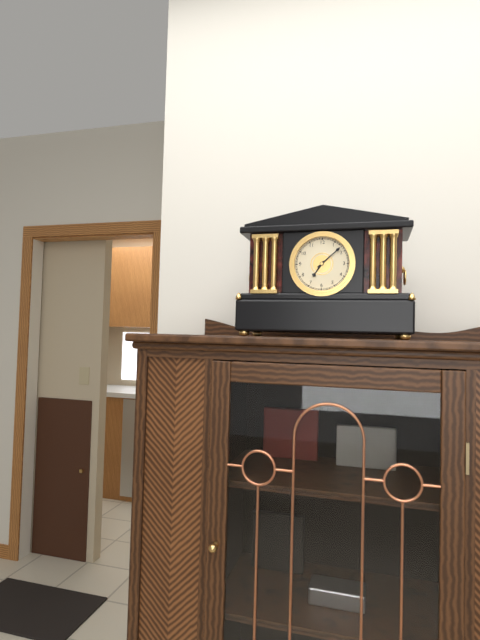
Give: 7h08
